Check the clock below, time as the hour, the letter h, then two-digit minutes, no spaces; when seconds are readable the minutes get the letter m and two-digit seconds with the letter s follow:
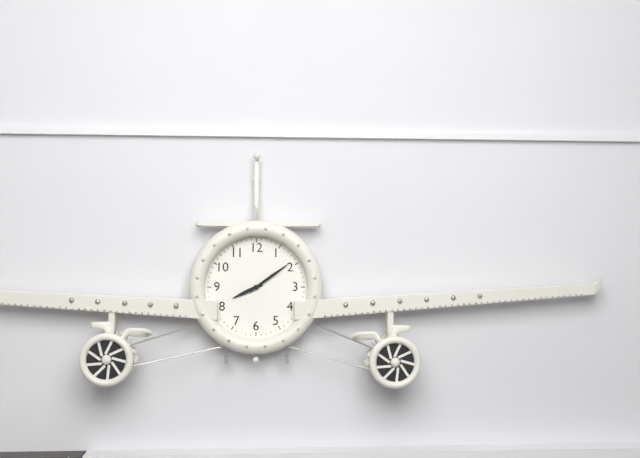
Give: 8h09
